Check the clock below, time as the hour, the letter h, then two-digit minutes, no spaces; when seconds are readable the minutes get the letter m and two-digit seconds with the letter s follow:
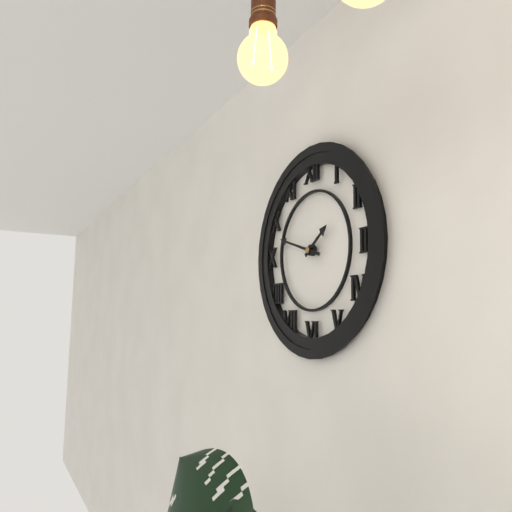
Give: 1h48
